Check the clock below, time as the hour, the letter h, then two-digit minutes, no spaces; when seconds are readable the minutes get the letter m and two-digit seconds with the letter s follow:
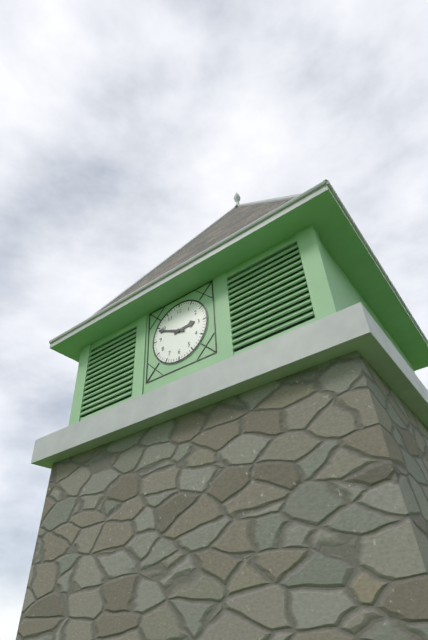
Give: 2h49
